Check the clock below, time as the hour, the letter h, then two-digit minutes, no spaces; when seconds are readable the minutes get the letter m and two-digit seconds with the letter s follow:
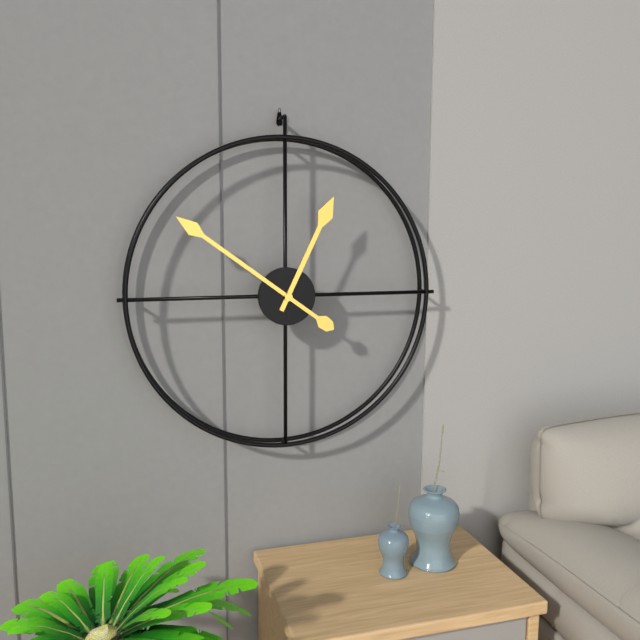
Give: 12h51
